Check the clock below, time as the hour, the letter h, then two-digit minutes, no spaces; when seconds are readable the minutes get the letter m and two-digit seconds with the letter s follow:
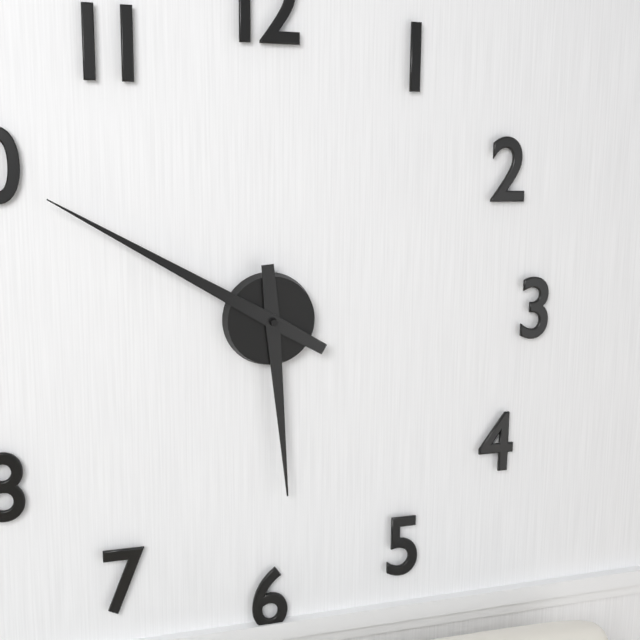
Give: 5h50
